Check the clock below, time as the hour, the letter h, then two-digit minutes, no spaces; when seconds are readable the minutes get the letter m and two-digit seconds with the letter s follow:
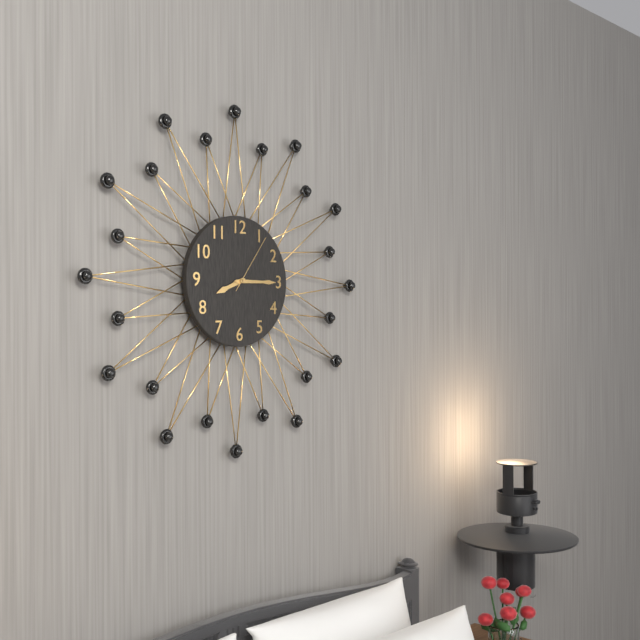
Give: 8h15m06s
